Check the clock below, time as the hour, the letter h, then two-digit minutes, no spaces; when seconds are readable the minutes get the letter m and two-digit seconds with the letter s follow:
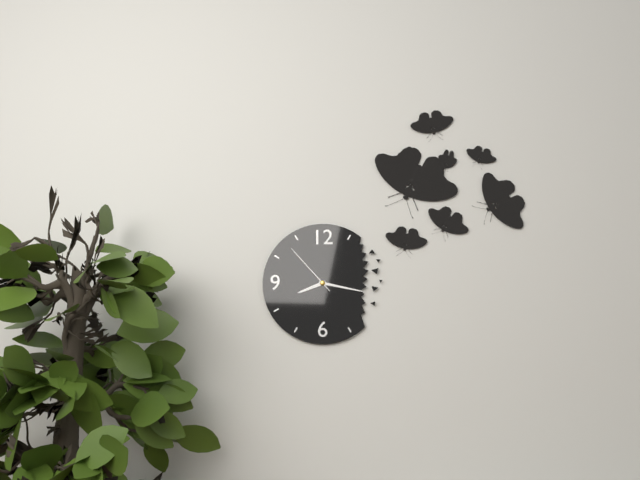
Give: 8h17m53s
